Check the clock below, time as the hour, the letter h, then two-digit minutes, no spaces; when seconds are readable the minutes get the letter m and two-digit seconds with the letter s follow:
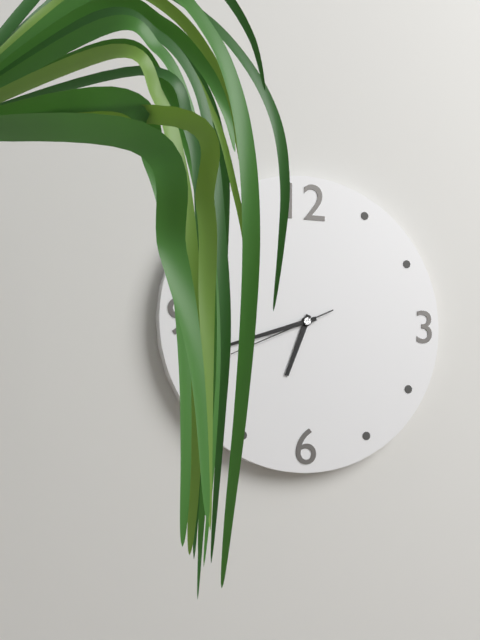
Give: 6h42m41s
